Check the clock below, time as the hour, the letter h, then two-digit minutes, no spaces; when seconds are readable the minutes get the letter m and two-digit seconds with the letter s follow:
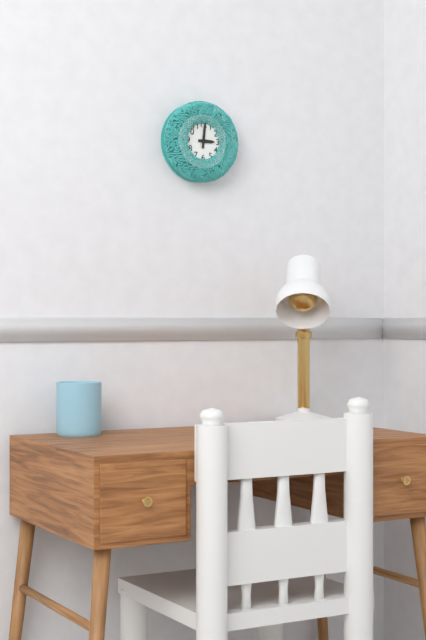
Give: 3h01
